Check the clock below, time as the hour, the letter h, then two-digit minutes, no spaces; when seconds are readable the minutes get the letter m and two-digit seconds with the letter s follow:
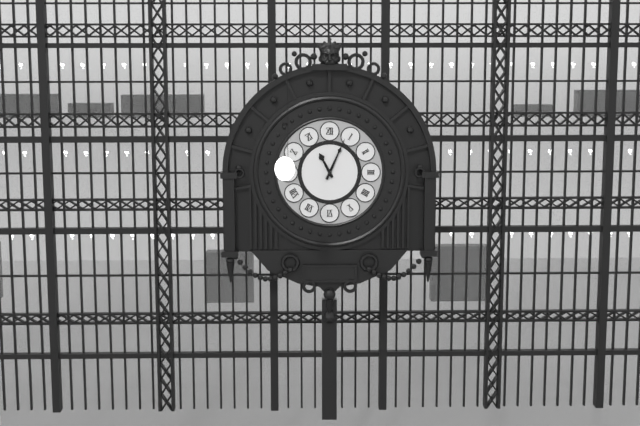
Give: 11h04
